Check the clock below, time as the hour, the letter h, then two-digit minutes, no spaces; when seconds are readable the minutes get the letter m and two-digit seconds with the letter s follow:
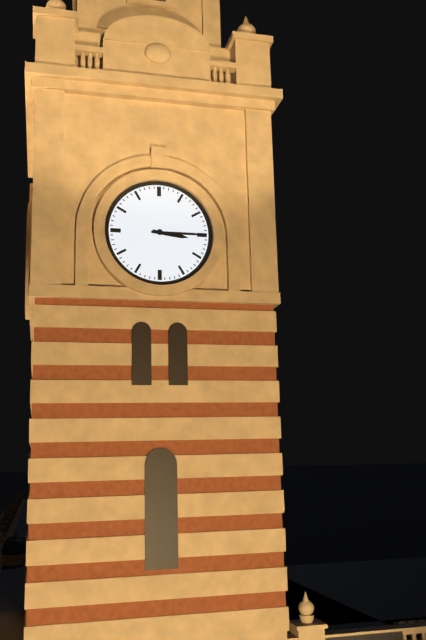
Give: 3h15
